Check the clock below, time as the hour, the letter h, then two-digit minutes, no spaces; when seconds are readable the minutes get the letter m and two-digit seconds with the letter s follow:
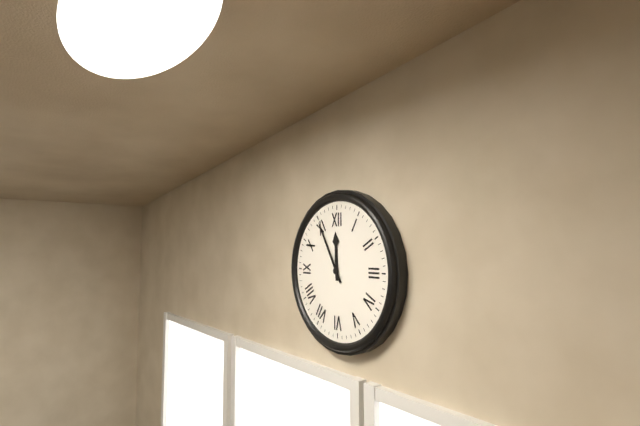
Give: 11h55
